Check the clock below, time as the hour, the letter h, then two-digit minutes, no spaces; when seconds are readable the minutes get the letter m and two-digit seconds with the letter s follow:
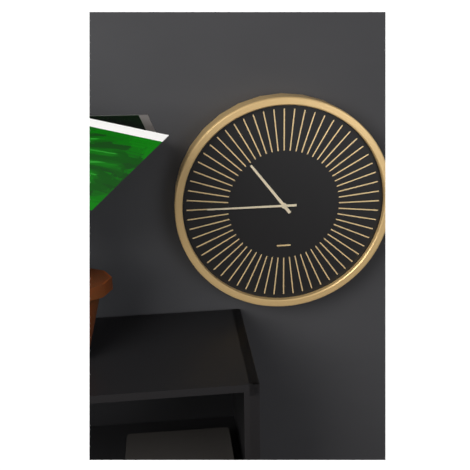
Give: 10h45
